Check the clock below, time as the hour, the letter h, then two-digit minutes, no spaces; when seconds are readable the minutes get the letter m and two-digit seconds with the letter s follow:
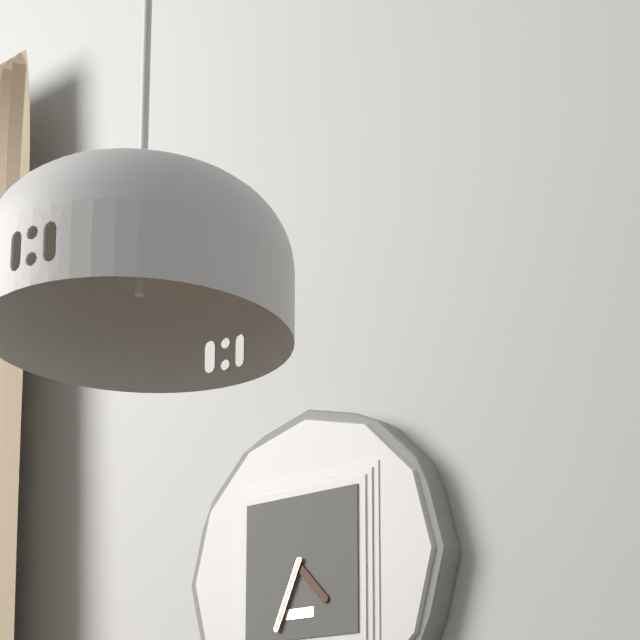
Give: 4h34
